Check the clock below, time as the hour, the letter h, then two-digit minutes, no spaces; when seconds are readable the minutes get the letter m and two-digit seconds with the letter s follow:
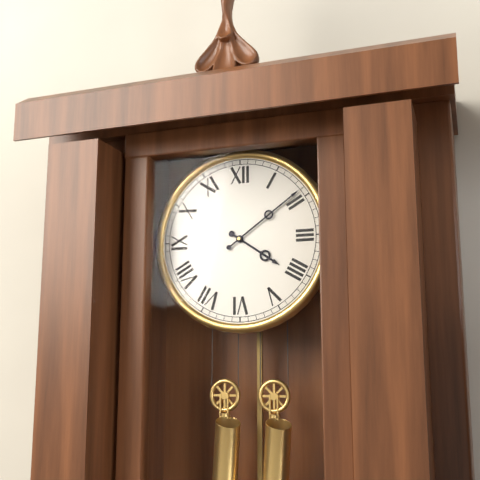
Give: 4h09
